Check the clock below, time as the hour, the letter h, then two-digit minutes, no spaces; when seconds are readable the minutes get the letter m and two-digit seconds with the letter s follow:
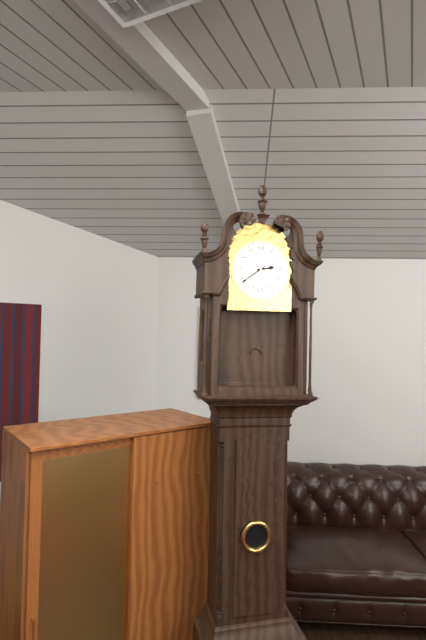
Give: 2h39
